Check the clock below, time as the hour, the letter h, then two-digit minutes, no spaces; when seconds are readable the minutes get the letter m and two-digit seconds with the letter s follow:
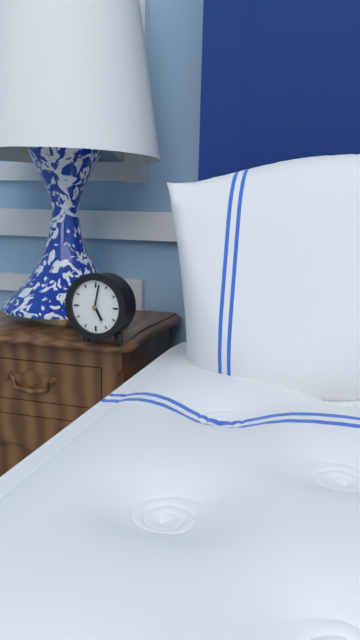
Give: 5h02
